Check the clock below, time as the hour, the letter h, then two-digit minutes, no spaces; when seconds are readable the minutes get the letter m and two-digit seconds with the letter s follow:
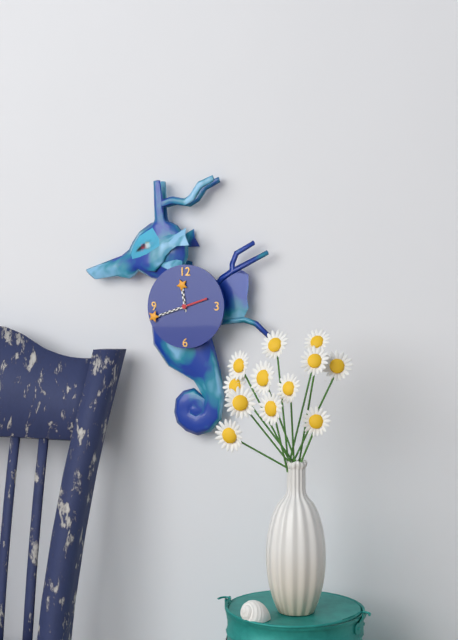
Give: 11h42
